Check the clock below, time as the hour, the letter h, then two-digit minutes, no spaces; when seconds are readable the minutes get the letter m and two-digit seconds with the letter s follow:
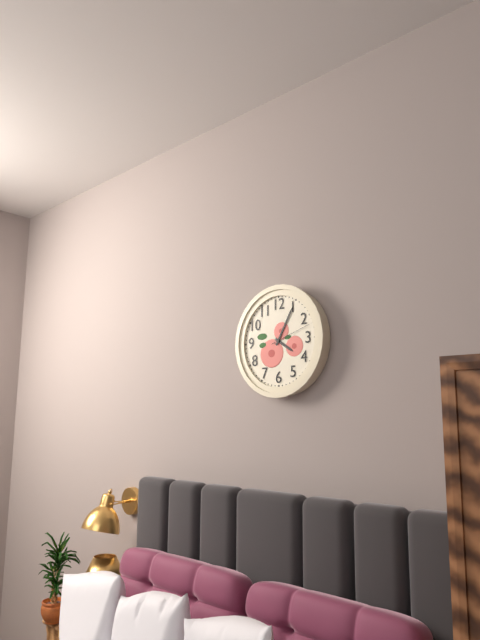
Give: 4h05
